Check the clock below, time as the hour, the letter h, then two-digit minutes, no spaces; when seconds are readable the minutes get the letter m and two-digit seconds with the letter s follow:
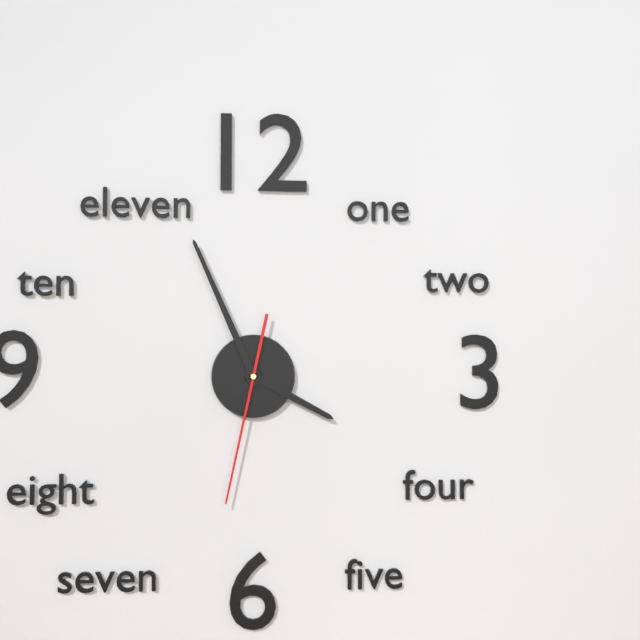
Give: 3h56m32s
